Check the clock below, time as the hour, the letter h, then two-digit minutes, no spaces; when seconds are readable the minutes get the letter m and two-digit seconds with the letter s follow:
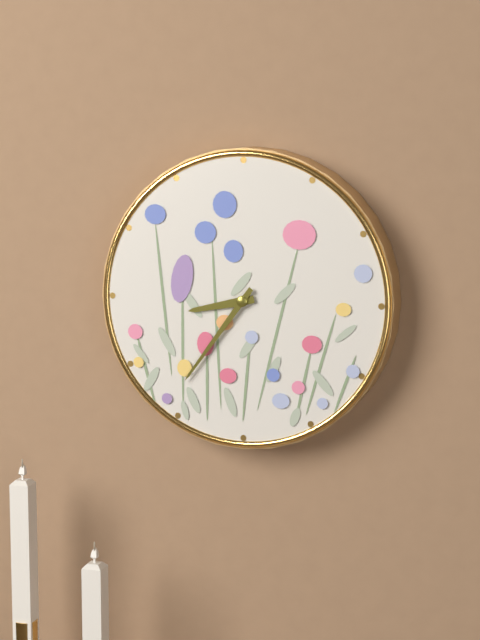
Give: 8h36
